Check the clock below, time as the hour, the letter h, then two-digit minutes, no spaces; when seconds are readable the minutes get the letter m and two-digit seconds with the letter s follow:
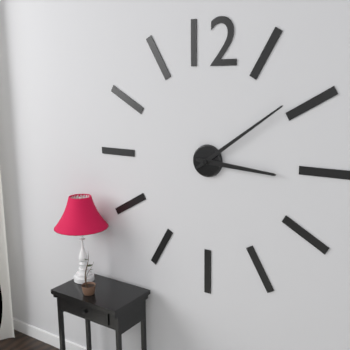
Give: 3h09
